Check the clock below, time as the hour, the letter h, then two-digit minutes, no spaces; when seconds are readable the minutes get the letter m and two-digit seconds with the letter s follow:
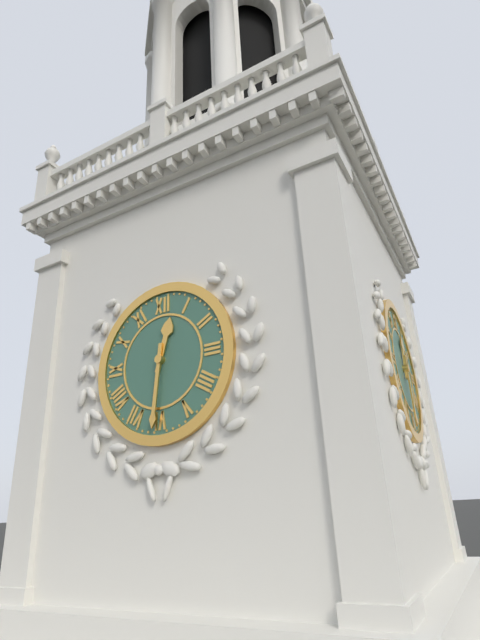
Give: 12h31
